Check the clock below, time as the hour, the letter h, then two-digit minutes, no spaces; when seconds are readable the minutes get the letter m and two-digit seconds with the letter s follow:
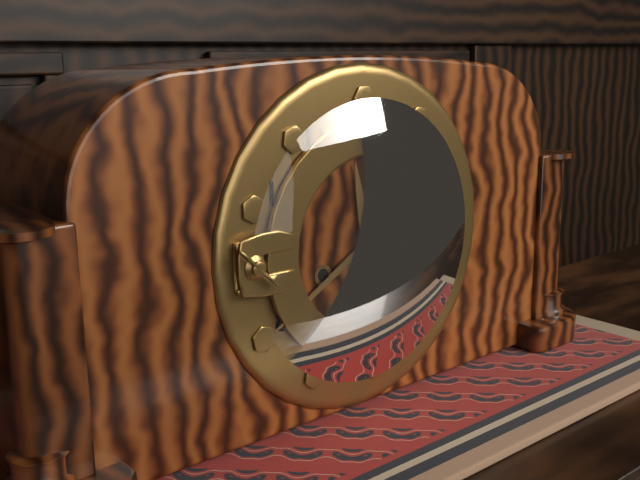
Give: 11h40
